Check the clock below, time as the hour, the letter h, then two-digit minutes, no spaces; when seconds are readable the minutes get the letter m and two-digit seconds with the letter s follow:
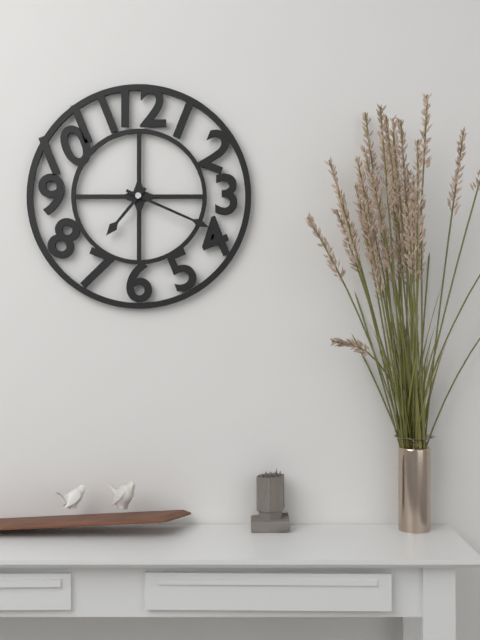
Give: 7h19
